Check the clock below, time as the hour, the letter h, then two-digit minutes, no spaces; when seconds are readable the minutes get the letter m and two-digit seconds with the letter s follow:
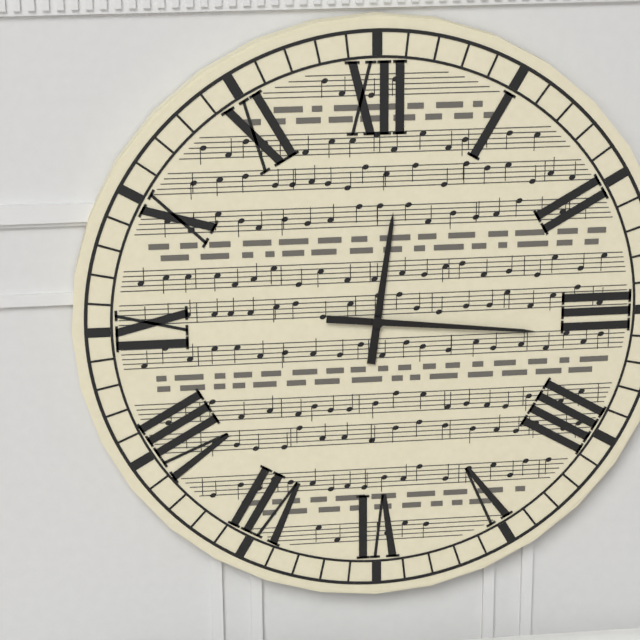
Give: 12h16
